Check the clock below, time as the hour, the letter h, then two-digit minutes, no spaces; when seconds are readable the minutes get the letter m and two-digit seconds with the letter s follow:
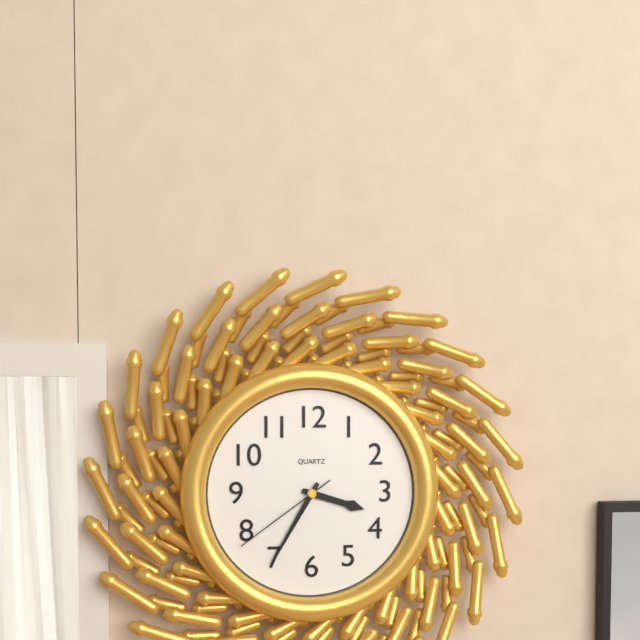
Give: 3h35m39s
